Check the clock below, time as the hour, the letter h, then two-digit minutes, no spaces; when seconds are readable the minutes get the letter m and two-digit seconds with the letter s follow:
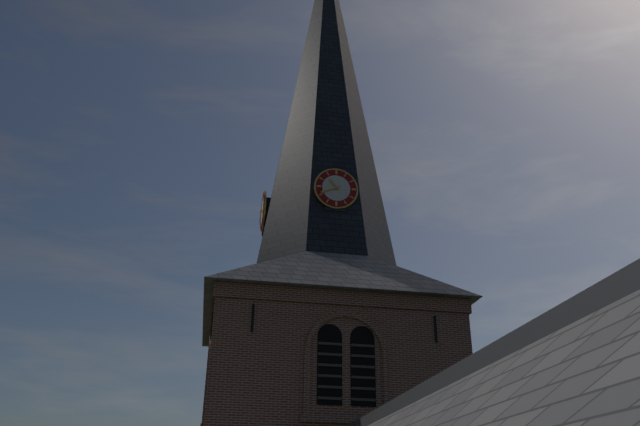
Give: 10h41
